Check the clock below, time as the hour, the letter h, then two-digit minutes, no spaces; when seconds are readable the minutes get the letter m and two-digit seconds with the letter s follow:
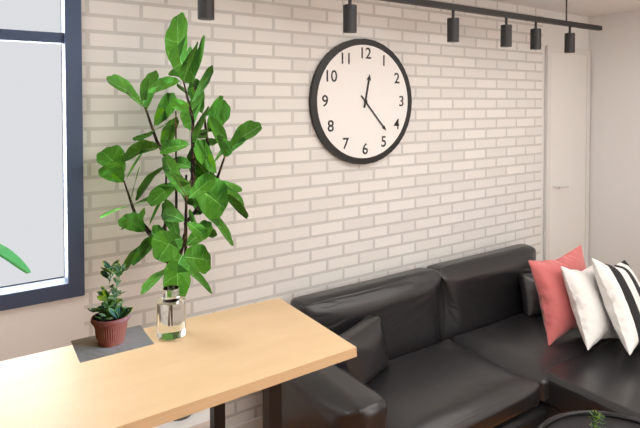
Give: 12h23
